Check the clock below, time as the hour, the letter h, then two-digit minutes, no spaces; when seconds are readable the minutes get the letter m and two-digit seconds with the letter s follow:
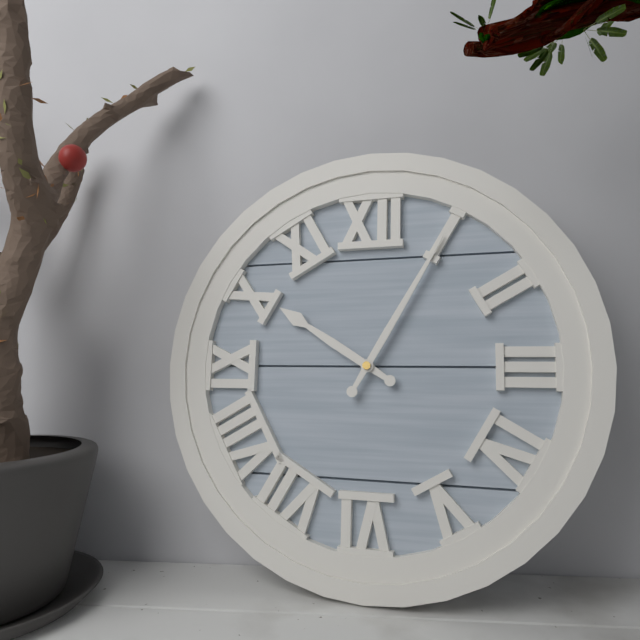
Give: 10h05
